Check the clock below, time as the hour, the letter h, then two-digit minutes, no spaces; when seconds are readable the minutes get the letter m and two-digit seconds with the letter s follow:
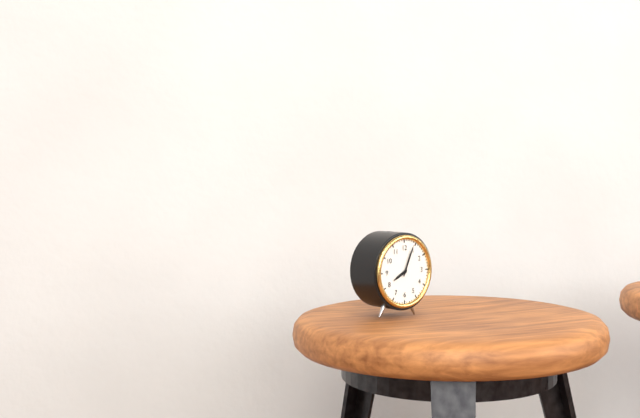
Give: 8h04
